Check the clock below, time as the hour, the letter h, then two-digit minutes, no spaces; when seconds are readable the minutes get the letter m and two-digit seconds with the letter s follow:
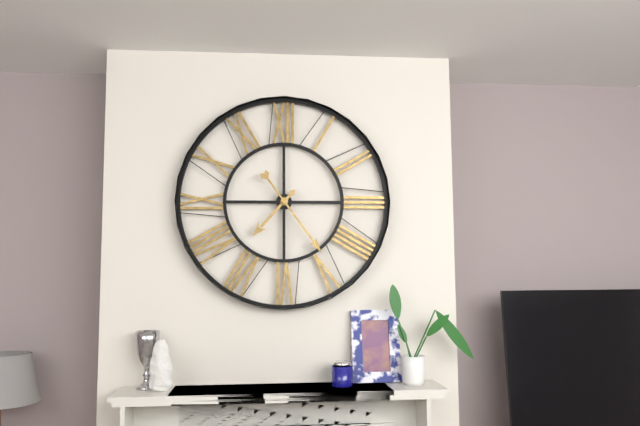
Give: 7h24
